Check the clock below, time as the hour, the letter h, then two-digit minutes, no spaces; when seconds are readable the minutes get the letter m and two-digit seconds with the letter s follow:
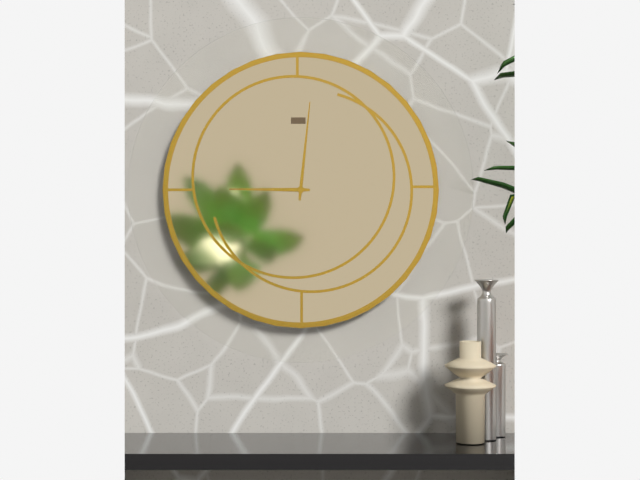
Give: 9h01
